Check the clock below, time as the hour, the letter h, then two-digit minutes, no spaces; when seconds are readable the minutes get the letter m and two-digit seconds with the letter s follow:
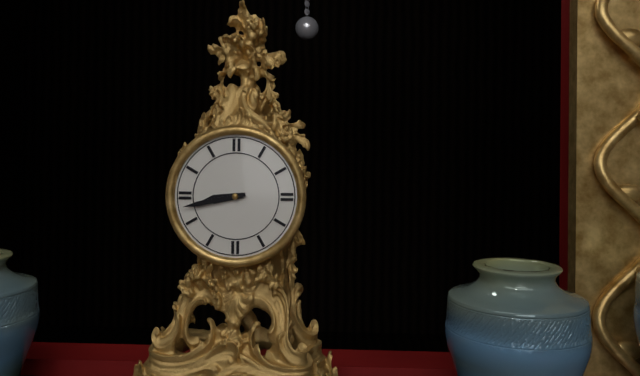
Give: 8h43
